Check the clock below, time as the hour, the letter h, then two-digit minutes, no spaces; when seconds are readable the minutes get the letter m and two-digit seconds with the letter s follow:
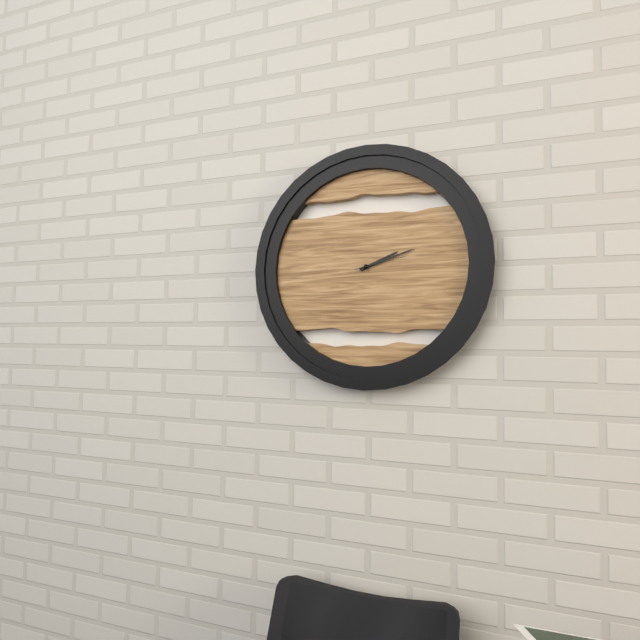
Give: 2h12m13s
